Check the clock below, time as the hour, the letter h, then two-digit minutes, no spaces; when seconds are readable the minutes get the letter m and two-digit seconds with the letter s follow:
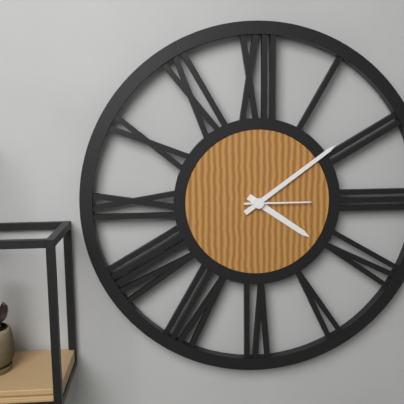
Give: 4h09m15s
